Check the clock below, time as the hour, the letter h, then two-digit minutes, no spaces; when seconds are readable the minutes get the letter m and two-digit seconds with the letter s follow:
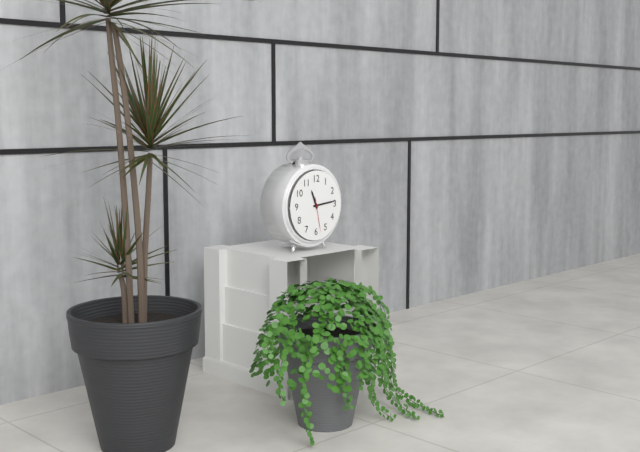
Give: 11h14
